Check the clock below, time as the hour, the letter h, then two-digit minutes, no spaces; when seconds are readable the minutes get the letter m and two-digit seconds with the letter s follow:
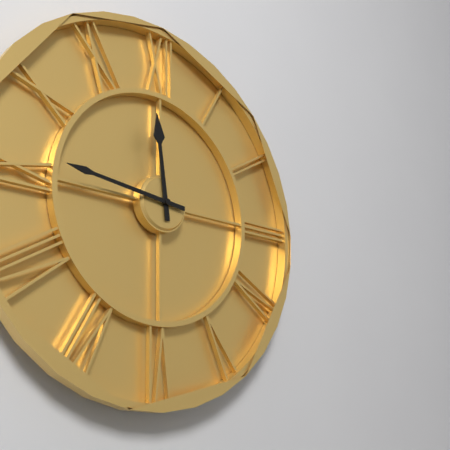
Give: 11h46
